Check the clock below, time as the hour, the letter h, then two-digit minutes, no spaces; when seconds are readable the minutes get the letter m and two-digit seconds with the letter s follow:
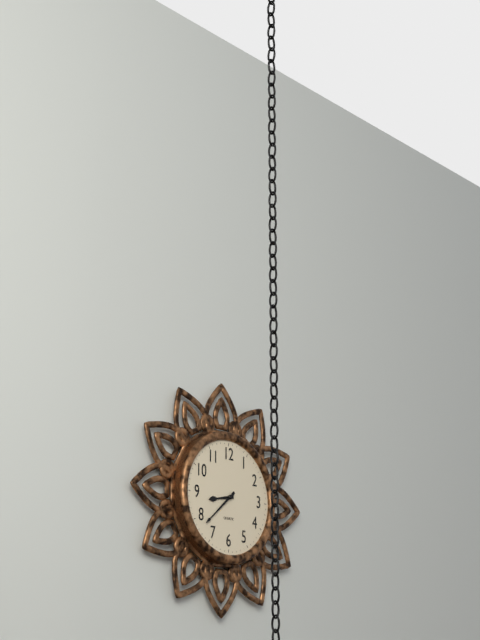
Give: 8h38
